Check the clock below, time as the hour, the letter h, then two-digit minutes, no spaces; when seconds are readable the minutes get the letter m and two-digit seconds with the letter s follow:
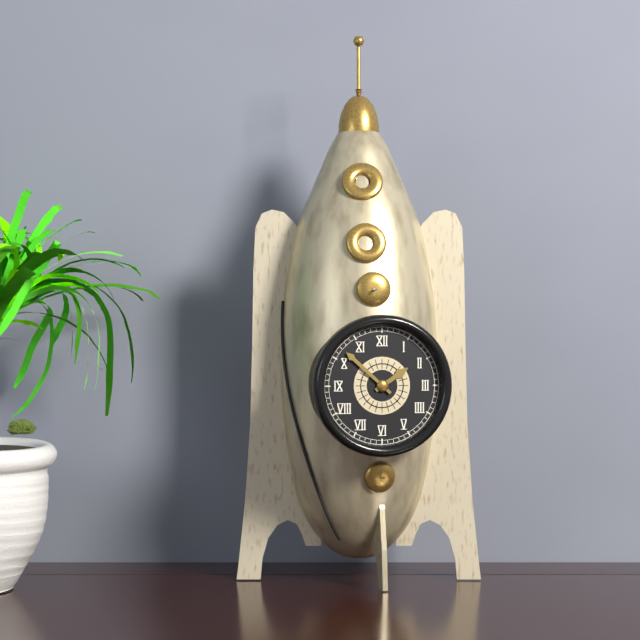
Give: 1h52
